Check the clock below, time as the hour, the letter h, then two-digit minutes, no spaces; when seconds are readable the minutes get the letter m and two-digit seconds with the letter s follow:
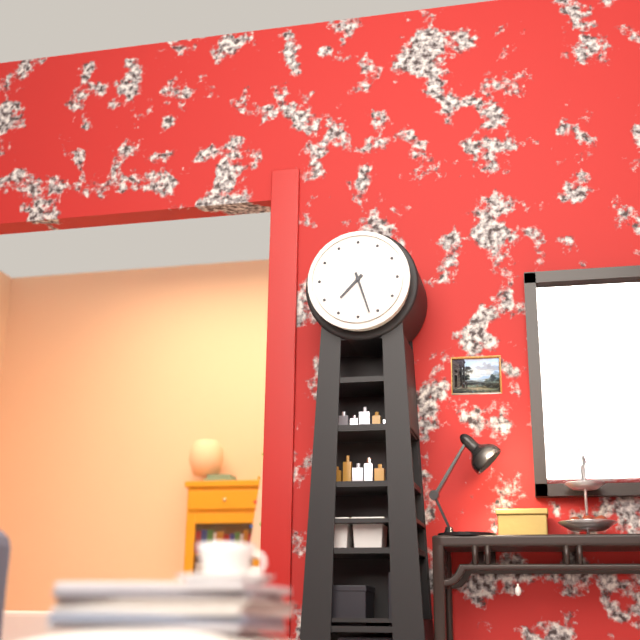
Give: 7h27
